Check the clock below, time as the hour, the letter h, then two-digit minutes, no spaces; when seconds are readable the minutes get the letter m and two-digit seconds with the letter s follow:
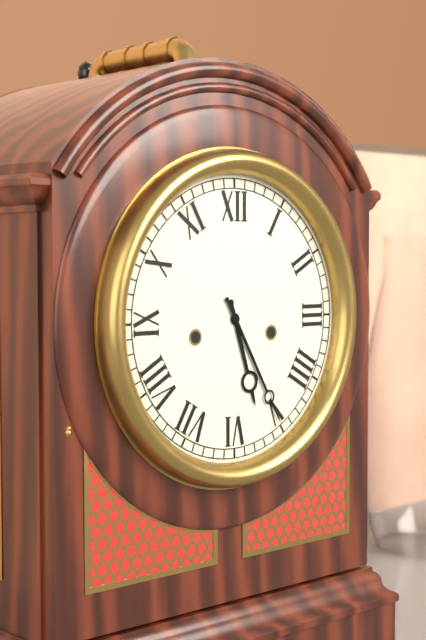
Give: 5h25
